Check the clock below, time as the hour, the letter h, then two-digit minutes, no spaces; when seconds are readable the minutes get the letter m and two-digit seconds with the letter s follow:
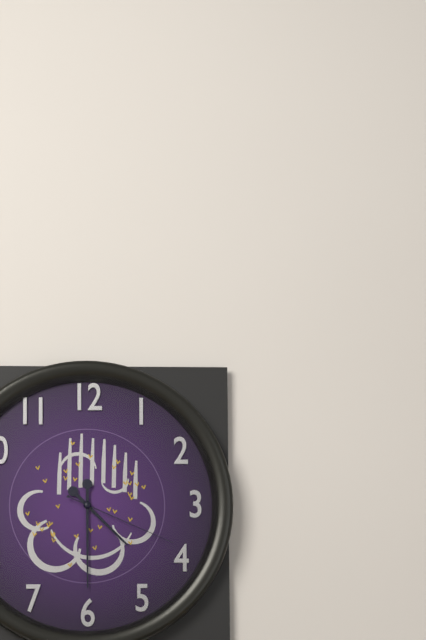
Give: 4h30m19s
